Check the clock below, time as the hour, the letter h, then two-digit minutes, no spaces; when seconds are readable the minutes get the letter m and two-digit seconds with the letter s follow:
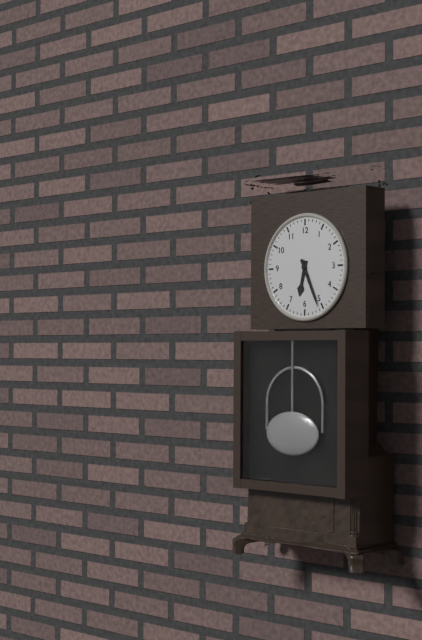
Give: 6h26
